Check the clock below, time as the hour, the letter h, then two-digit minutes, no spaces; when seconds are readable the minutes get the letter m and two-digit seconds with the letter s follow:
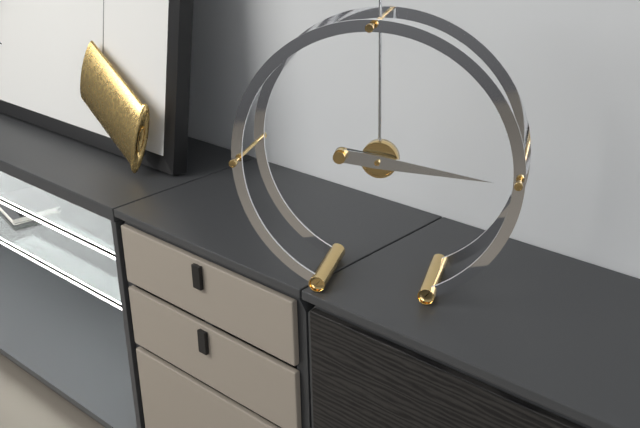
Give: 3h16
